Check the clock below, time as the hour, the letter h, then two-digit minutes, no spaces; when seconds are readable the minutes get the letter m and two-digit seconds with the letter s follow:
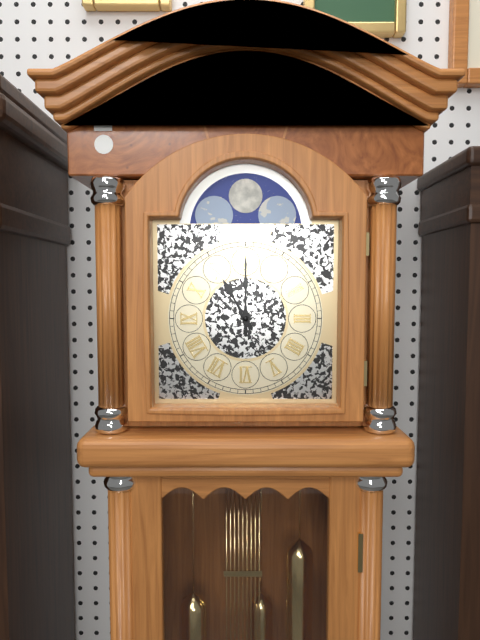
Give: 11h00
